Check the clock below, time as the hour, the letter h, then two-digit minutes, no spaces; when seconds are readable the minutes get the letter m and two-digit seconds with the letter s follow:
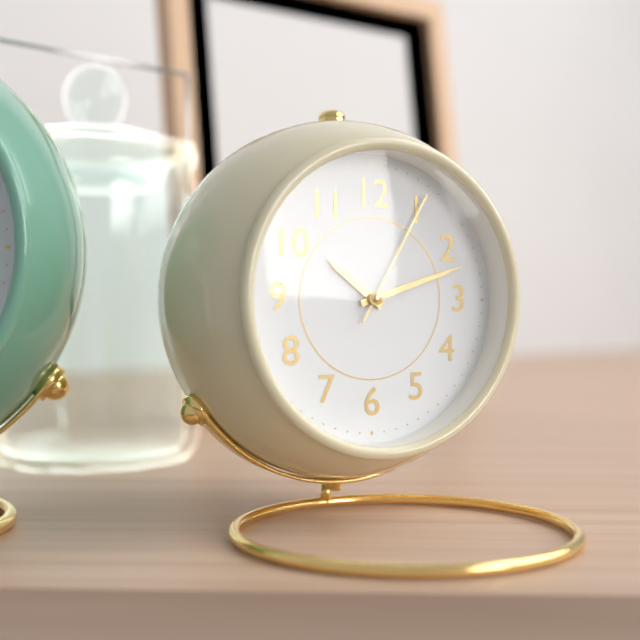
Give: 10h12m05s
